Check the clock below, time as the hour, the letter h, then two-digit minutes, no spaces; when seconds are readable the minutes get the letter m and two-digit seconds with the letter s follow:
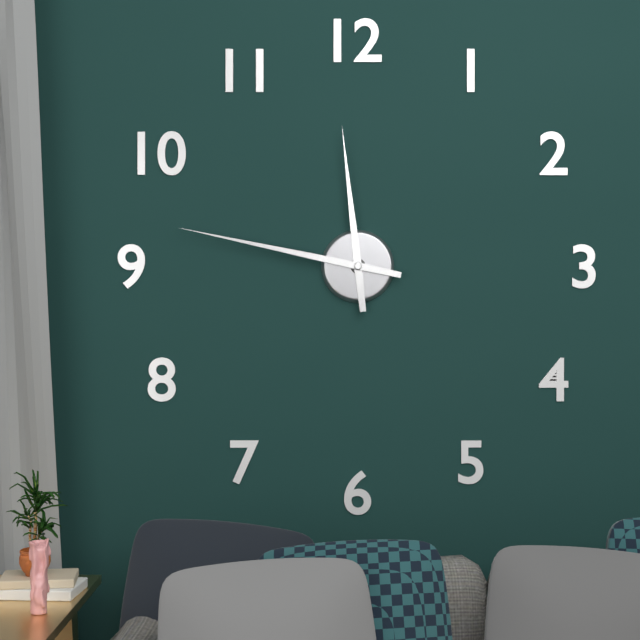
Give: 11h47
